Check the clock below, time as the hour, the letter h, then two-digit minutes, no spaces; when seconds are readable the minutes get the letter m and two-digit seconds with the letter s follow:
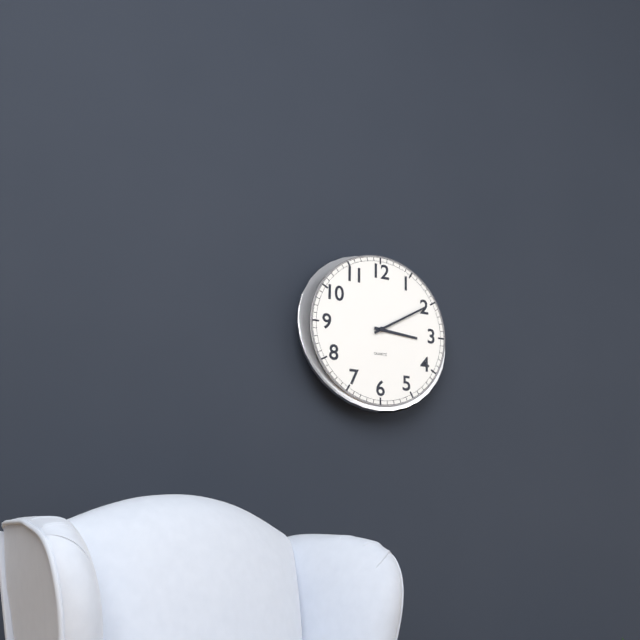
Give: 3h10
